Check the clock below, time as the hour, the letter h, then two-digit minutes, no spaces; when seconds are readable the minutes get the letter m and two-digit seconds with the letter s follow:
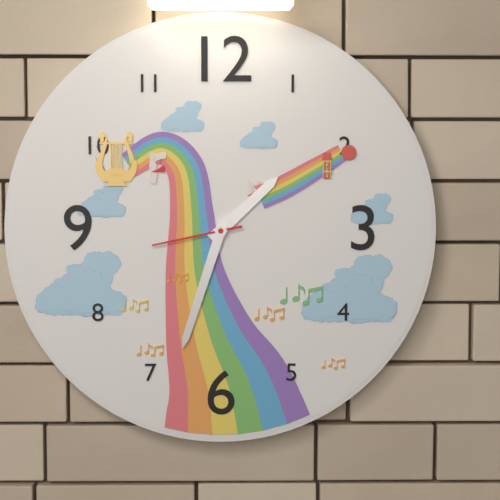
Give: 1h33m43s
